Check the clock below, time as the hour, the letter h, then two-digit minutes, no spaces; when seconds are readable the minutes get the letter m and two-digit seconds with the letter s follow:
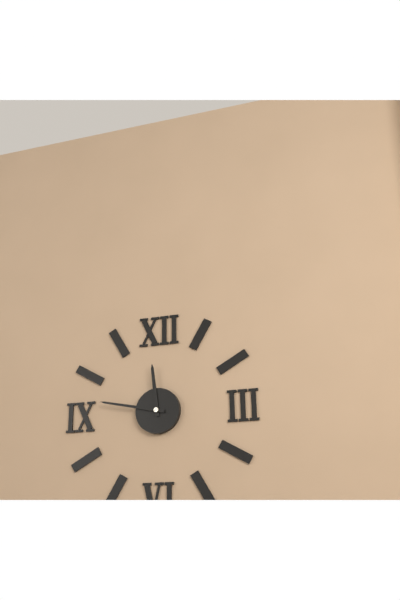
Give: 11h47
